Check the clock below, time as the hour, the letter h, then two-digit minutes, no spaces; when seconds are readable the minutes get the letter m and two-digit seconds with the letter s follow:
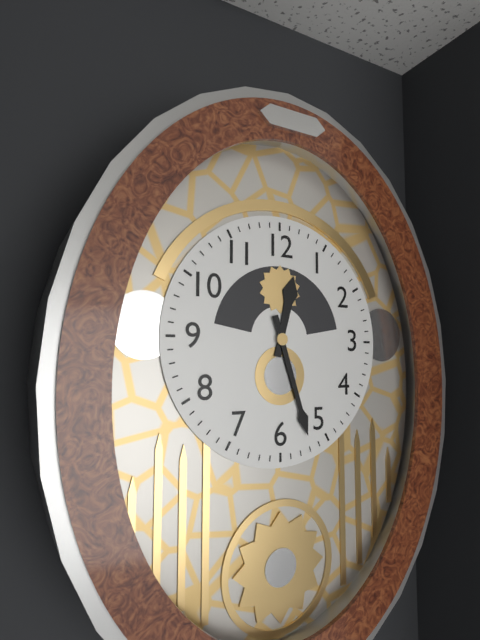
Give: 12h27
